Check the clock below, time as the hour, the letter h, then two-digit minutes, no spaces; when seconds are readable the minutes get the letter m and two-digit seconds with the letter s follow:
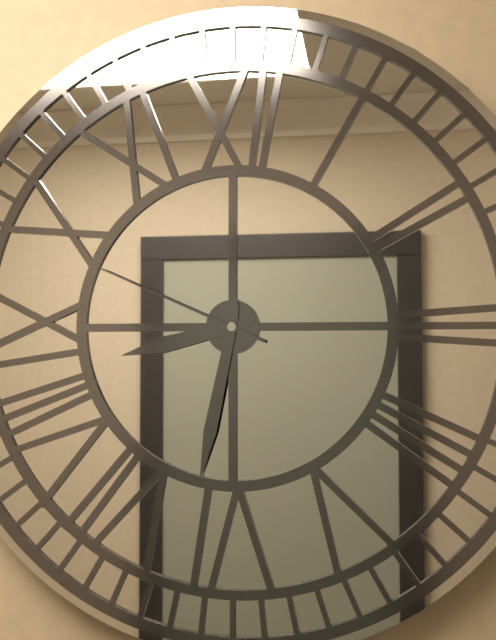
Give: 8h32m49s
